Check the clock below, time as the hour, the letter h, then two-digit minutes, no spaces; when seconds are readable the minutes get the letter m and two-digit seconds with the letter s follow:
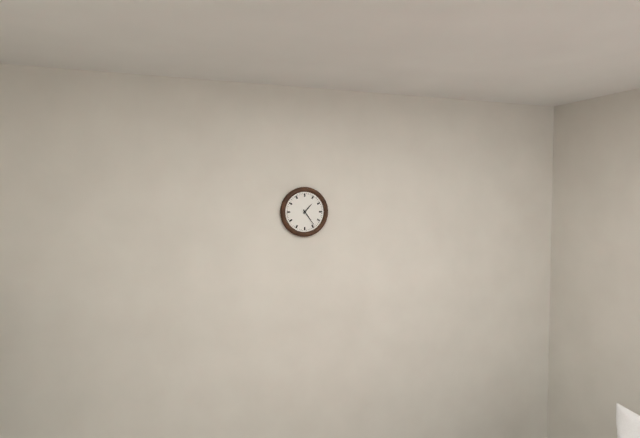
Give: 1h24
